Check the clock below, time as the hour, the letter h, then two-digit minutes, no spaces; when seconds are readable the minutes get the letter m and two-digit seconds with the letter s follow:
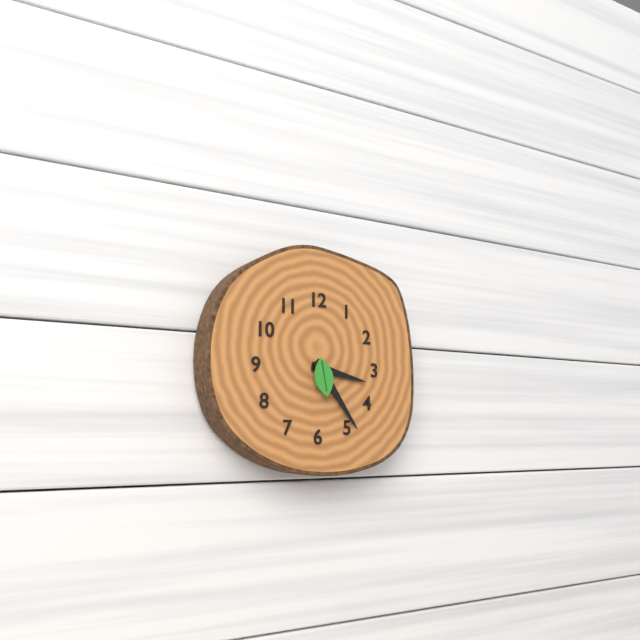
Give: 3h24
